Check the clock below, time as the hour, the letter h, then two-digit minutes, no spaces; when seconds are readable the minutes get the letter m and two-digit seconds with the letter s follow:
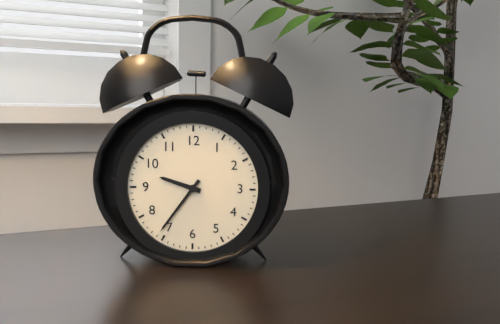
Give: 9h36
